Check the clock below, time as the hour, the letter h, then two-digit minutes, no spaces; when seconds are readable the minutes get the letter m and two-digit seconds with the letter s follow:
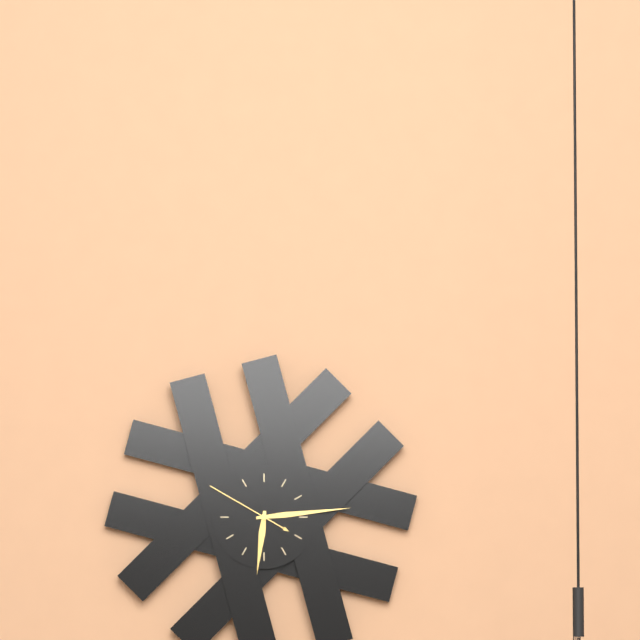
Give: 6h14m50s
